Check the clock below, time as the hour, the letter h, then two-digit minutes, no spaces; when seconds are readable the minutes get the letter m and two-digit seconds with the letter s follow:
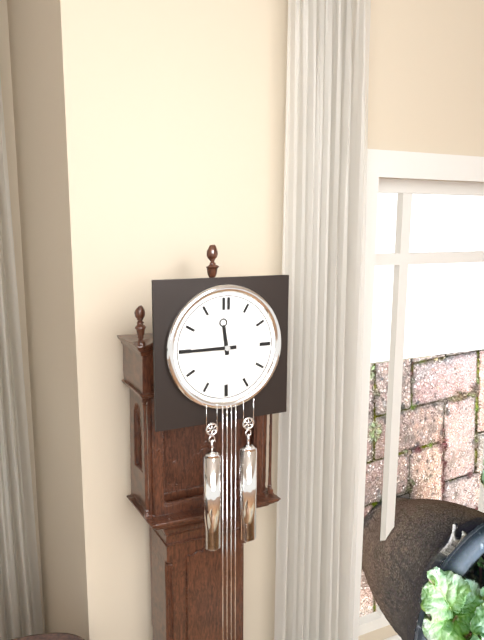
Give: 11h45
